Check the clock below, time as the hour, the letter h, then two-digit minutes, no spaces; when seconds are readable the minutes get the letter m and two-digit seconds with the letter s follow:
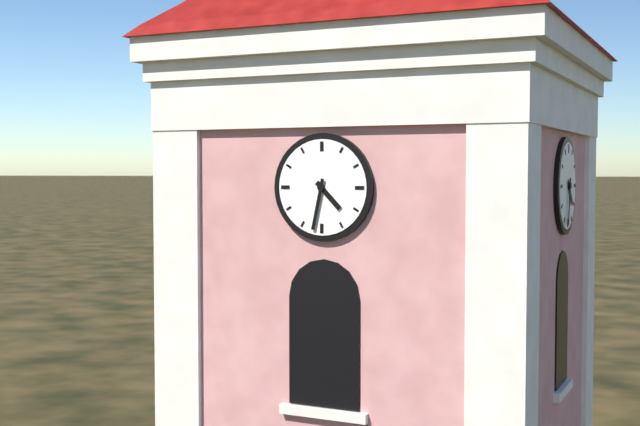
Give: 4h32
